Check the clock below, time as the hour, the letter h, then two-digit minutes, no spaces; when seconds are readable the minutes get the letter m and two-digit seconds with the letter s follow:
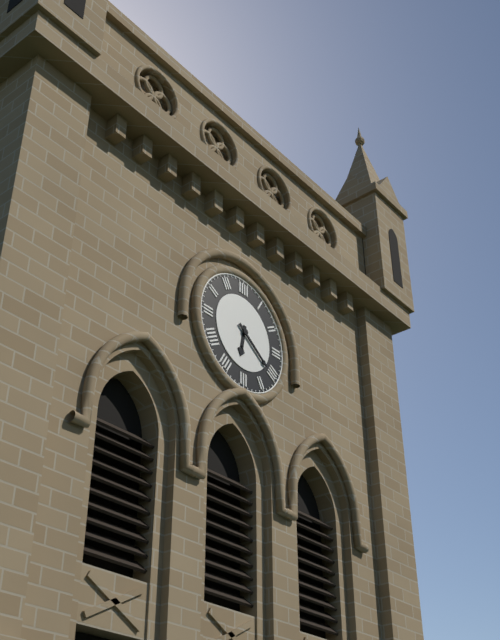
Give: 6h21
